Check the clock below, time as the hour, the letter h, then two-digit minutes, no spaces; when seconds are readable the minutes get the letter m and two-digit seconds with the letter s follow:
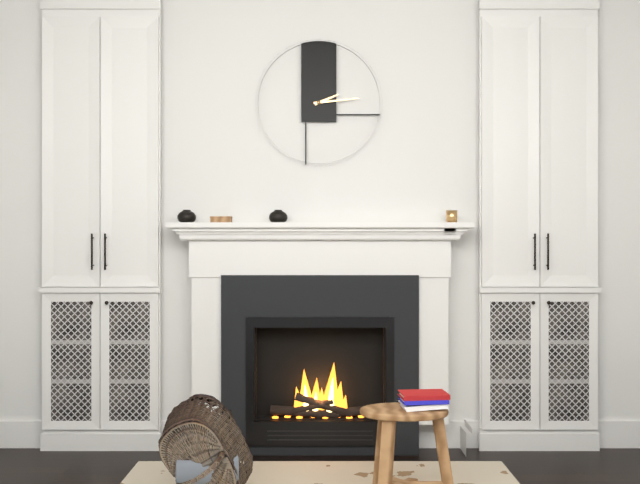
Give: 2h14
